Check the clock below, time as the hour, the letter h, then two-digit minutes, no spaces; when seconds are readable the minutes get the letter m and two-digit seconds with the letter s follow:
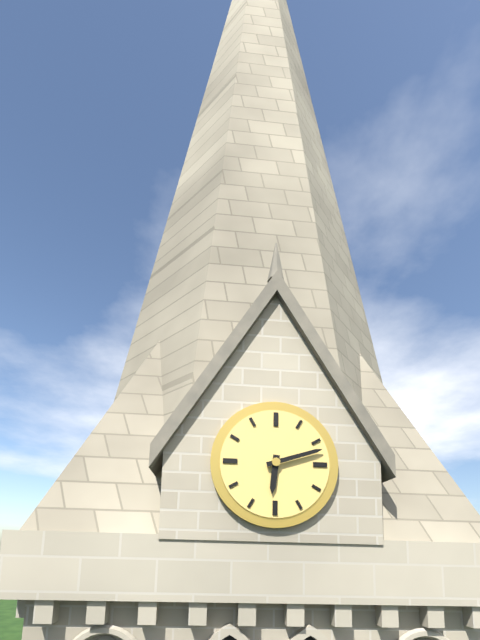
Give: 6h12
